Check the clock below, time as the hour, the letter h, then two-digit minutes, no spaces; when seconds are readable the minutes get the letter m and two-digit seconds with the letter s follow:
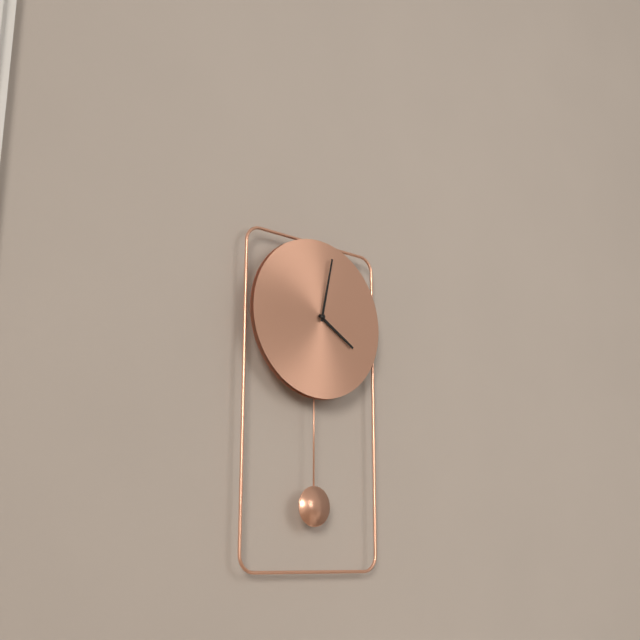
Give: 4h02
